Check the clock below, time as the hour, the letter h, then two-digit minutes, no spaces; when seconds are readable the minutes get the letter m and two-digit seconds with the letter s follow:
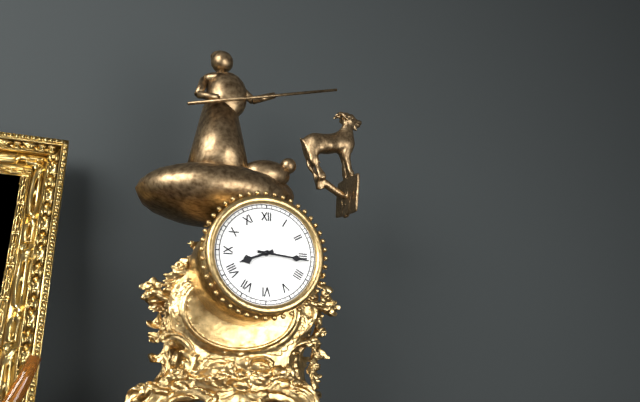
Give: 8h16
